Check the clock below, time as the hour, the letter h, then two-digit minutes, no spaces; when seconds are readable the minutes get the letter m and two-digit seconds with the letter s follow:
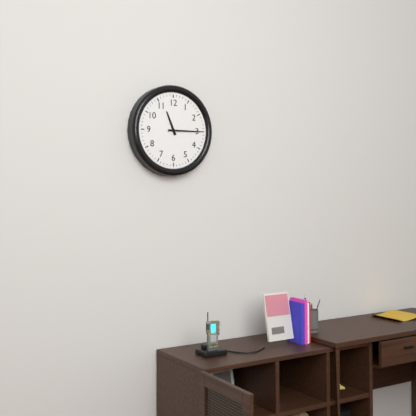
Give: 11h15
